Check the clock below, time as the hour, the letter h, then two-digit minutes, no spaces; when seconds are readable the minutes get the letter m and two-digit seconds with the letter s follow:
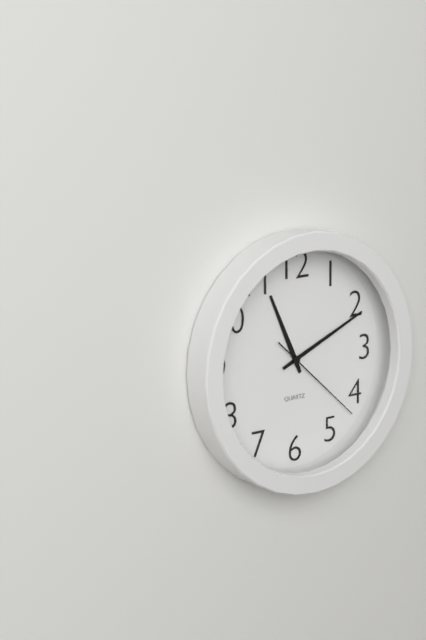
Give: 11h11m22s
